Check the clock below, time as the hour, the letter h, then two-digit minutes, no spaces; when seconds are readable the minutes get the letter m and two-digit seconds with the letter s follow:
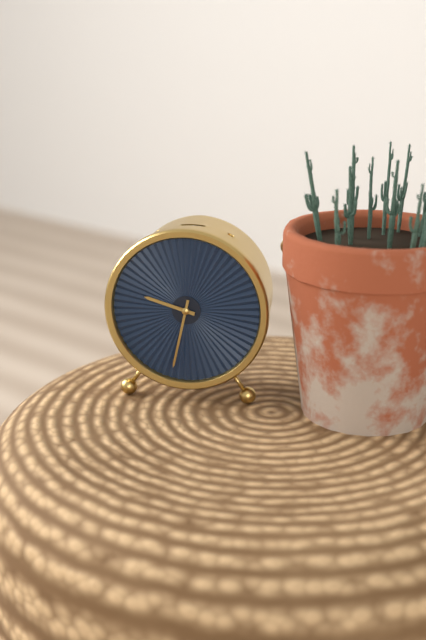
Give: 9h32
